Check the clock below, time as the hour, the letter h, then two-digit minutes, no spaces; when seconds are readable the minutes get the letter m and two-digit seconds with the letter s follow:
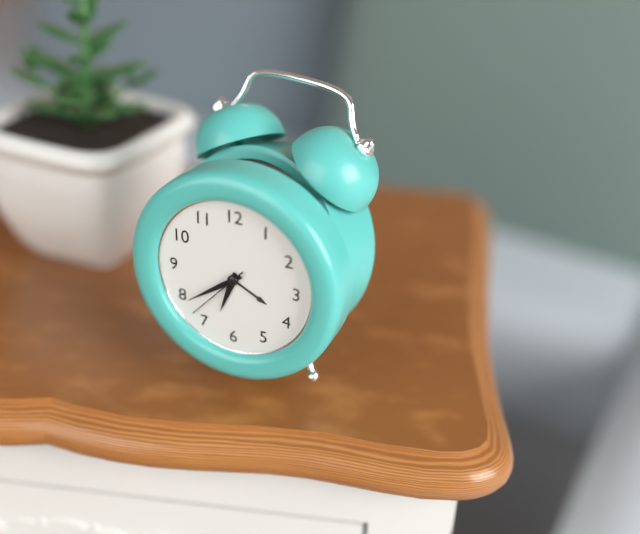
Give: 6h39m37s
